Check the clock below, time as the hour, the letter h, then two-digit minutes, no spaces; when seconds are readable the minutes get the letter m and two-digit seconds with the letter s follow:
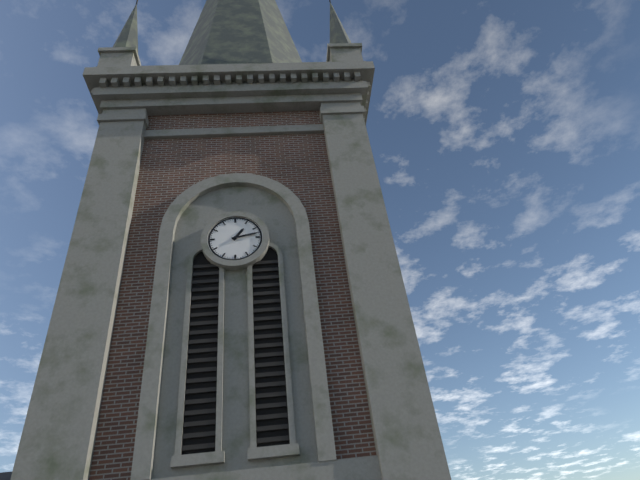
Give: 1h13
